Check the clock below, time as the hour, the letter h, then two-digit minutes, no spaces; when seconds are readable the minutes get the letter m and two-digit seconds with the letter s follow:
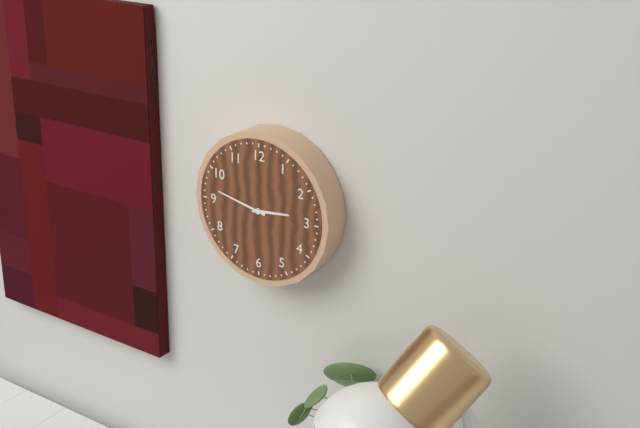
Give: 2h47
